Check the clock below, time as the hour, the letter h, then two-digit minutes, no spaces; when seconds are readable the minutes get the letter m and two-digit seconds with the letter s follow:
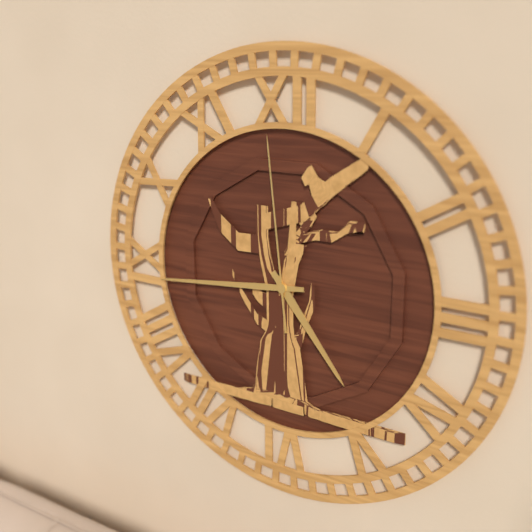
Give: 4h44m59s
